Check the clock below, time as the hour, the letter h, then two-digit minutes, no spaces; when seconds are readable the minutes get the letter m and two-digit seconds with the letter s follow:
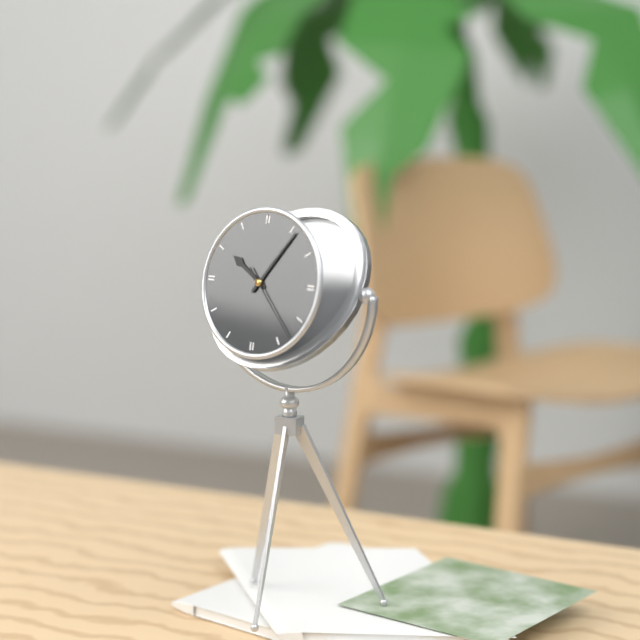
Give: 10h06m23s
